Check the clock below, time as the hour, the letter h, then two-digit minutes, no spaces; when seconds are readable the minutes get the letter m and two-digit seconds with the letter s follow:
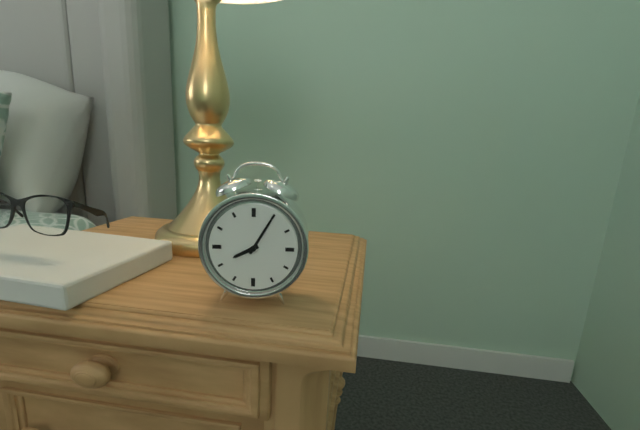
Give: 8h05
